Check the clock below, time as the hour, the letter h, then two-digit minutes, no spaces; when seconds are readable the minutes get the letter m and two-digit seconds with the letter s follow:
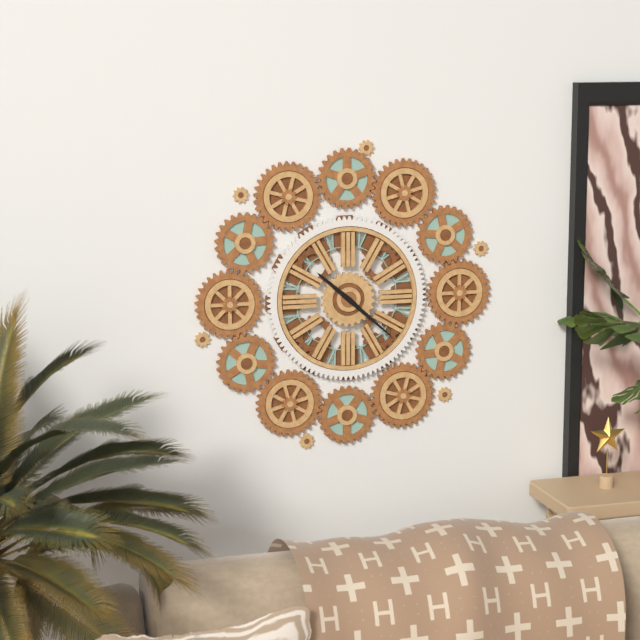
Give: 10h22
